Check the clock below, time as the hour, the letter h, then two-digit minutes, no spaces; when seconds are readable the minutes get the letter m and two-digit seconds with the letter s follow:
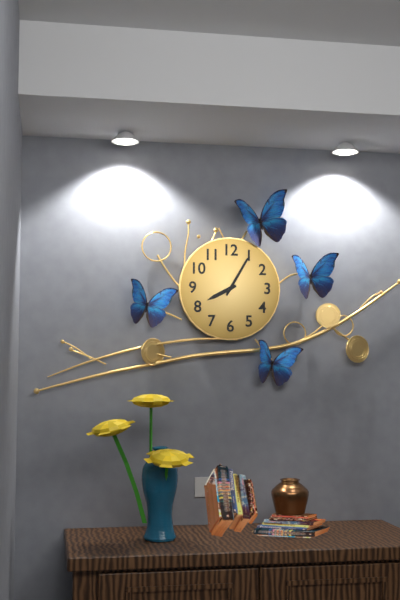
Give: 8h05
